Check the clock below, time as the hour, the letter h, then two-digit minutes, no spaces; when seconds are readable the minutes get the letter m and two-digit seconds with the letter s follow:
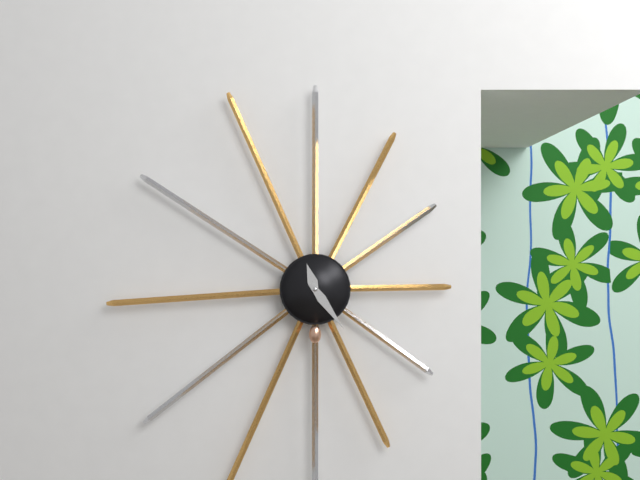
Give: 11h24
